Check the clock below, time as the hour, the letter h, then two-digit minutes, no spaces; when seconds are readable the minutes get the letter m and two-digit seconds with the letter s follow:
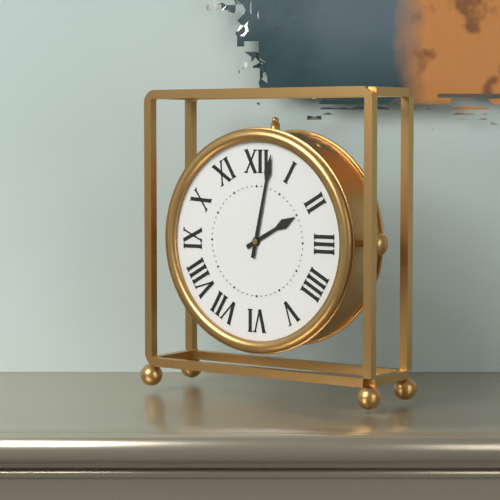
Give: 2h02
